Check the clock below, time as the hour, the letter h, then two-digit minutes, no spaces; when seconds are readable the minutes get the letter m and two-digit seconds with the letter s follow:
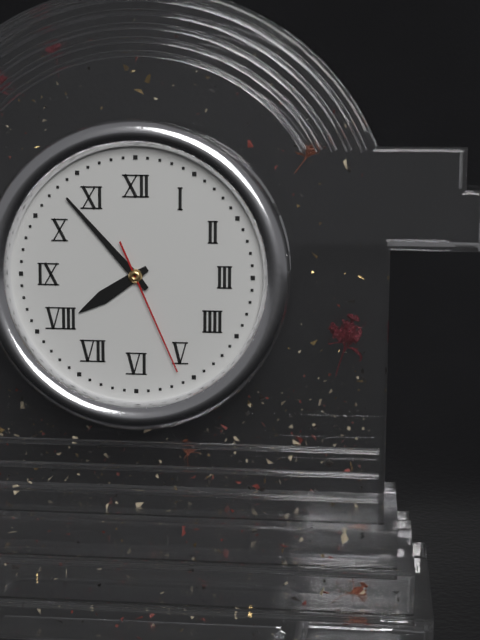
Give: 7h53m26s
